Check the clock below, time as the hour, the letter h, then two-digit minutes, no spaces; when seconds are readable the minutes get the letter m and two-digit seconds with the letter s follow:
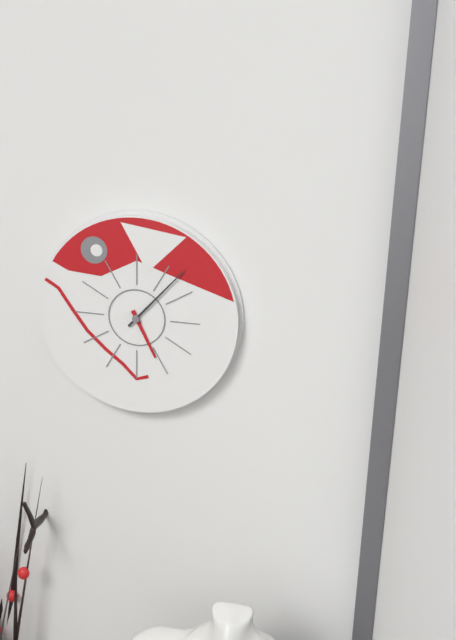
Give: 5h07
